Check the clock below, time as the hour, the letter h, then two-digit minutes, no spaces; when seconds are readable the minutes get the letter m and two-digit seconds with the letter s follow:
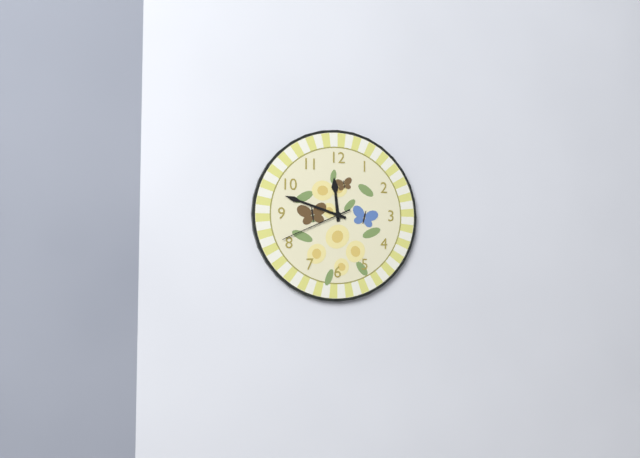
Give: 11h48m41s
